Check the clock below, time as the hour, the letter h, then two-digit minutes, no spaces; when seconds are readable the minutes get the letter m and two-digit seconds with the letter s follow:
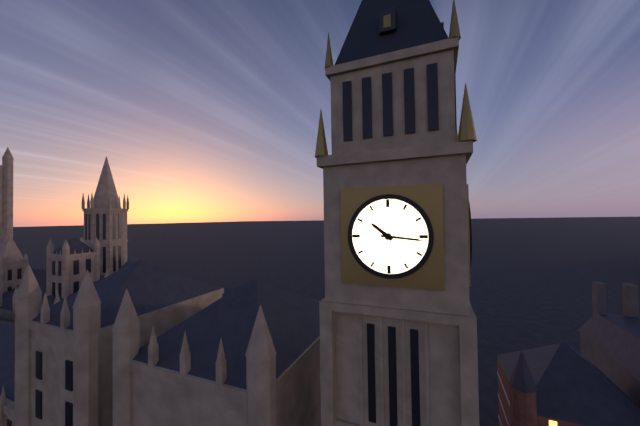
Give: 10h16
